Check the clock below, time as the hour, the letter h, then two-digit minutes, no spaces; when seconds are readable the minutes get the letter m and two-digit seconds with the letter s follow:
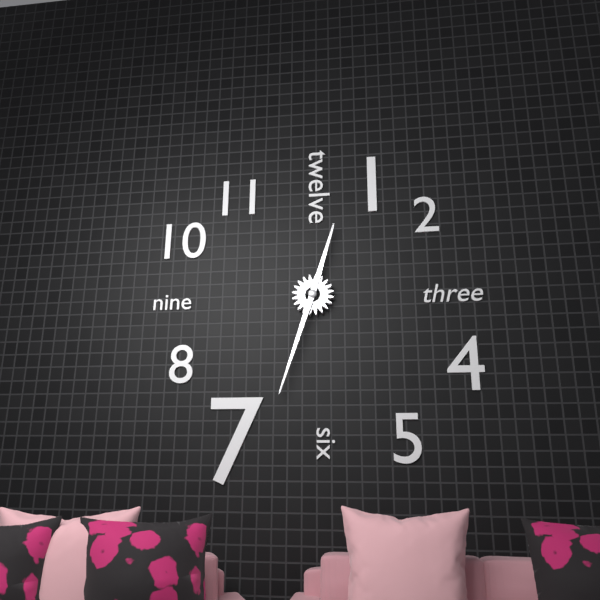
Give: 12h33
